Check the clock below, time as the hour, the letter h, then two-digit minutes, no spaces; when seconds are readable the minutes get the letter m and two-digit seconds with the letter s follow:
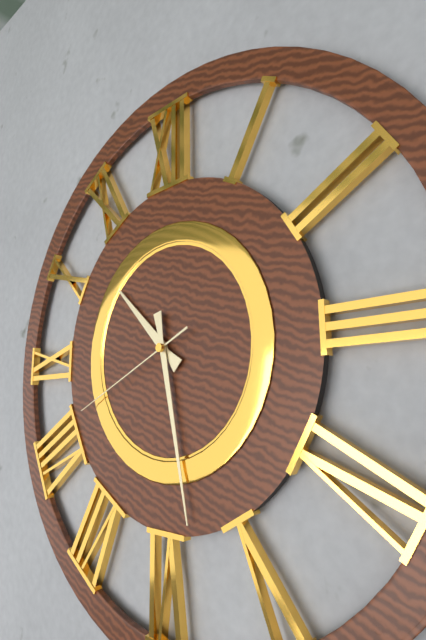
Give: 10h28m41s
